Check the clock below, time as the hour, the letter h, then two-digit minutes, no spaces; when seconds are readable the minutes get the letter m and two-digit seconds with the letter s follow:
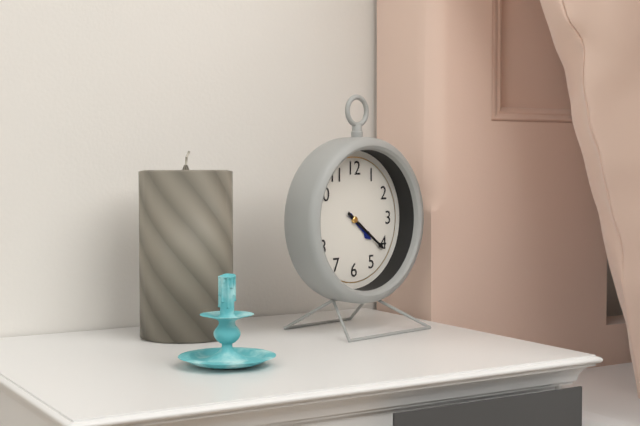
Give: 4h21
